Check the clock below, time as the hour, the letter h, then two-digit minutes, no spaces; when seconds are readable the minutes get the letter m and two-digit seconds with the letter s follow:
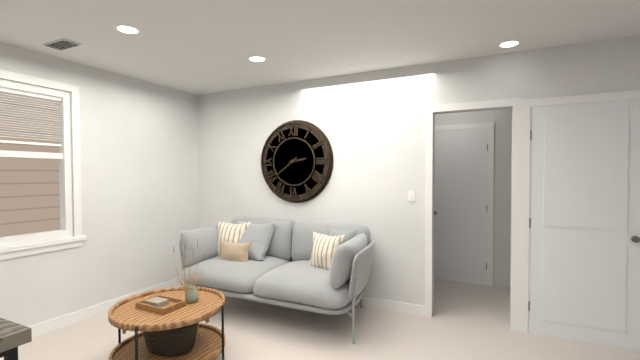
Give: 2h39
